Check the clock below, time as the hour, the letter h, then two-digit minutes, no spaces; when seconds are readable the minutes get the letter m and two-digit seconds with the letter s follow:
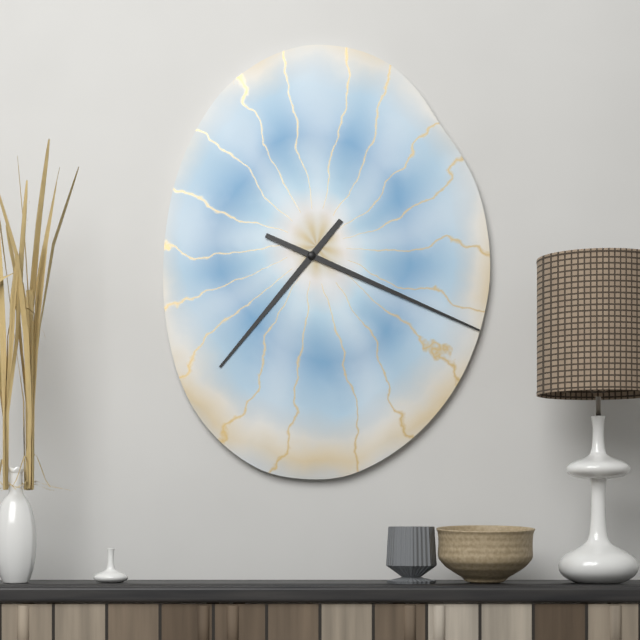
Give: 7h19
